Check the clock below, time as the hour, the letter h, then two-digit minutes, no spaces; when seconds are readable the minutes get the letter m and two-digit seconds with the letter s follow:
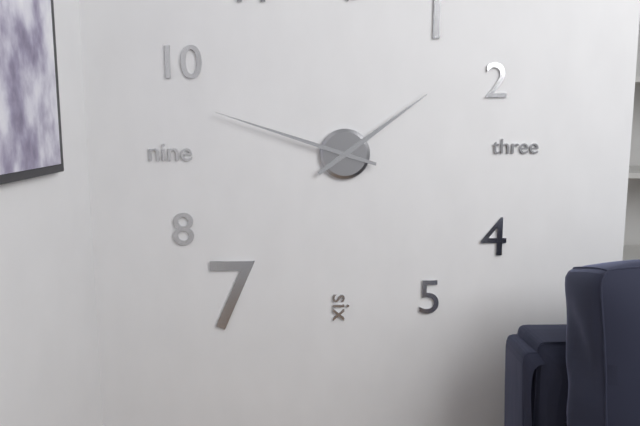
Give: 1h48
